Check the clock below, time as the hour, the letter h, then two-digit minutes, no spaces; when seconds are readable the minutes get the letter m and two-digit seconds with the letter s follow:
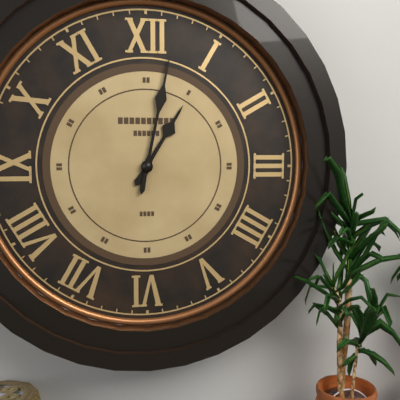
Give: 1h02
